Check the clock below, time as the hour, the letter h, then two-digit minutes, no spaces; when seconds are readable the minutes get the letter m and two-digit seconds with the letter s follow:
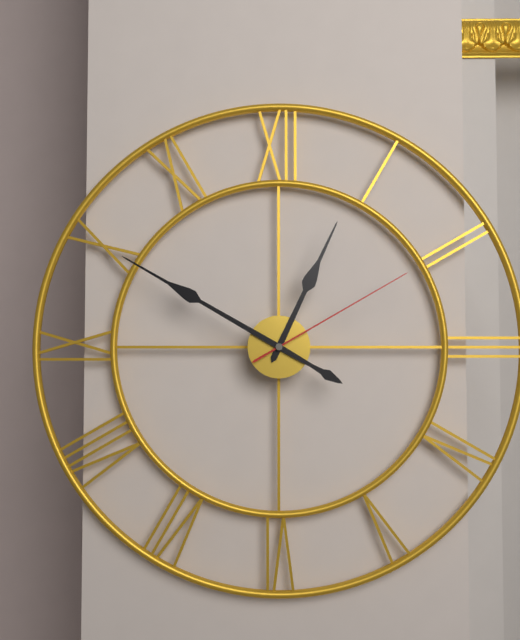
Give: 12h50m10s
